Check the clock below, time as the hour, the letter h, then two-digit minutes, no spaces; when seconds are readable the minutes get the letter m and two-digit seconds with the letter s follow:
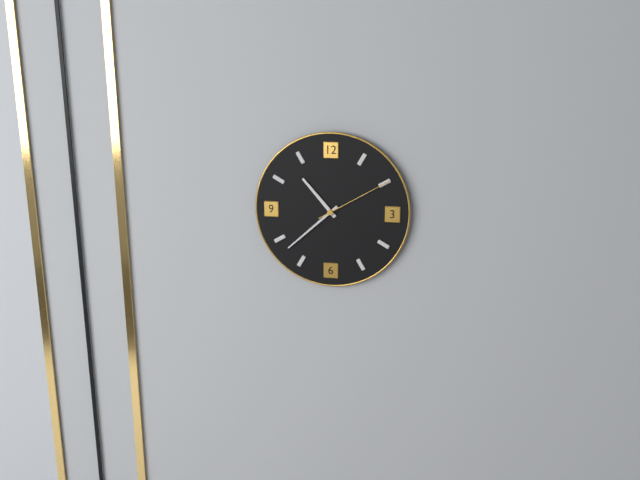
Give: 10h38m10s
